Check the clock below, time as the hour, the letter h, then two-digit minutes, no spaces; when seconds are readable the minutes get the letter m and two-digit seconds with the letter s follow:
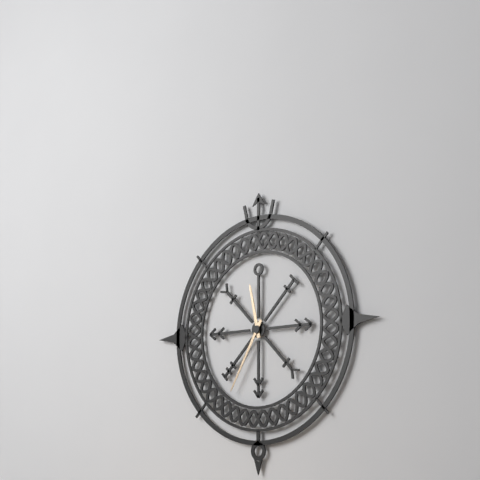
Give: 11h35
